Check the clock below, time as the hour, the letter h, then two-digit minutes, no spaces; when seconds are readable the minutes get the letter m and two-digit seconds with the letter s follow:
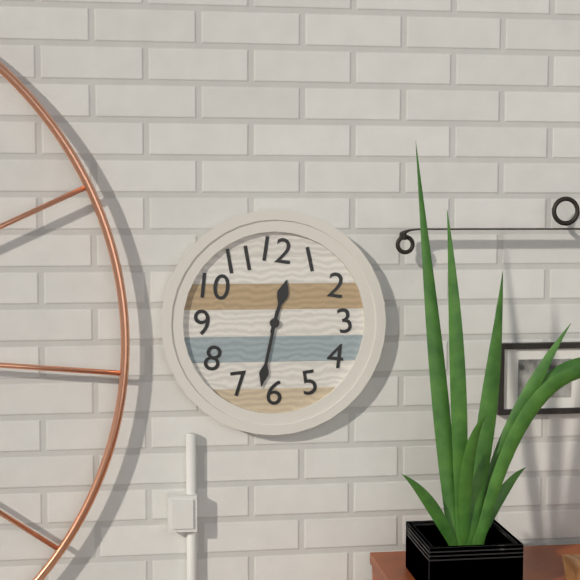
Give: 12h32
